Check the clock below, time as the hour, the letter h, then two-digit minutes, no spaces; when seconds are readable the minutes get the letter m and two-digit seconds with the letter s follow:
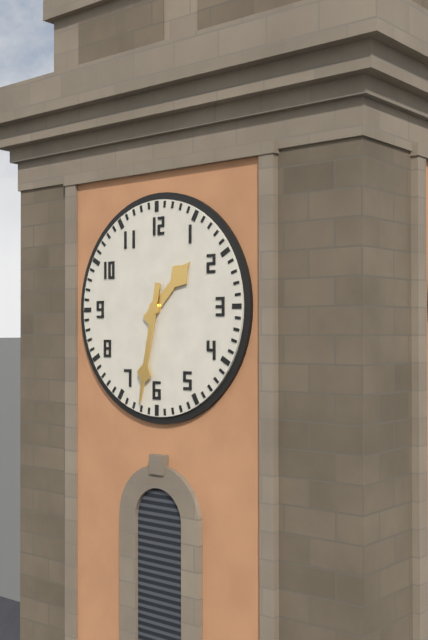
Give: 1h32
